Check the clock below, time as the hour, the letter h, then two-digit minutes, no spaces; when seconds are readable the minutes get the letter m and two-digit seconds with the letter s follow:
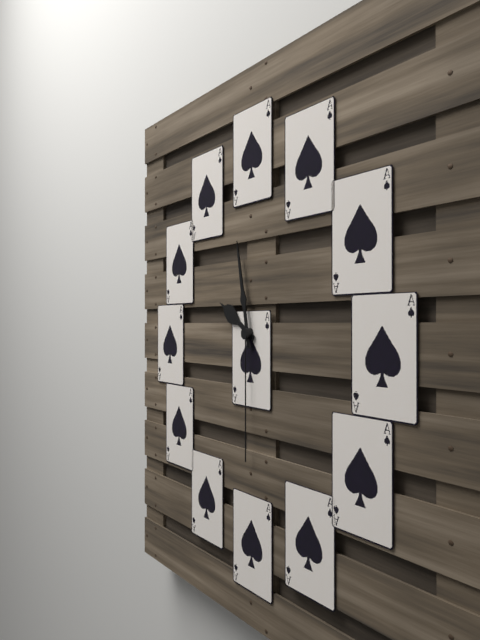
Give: 9h58m30s
